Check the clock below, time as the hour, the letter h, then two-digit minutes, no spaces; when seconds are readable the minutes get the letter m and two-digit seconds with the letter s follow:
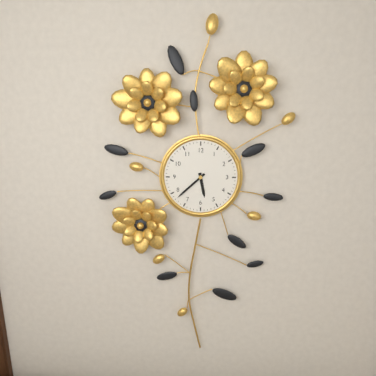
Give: 5h38
